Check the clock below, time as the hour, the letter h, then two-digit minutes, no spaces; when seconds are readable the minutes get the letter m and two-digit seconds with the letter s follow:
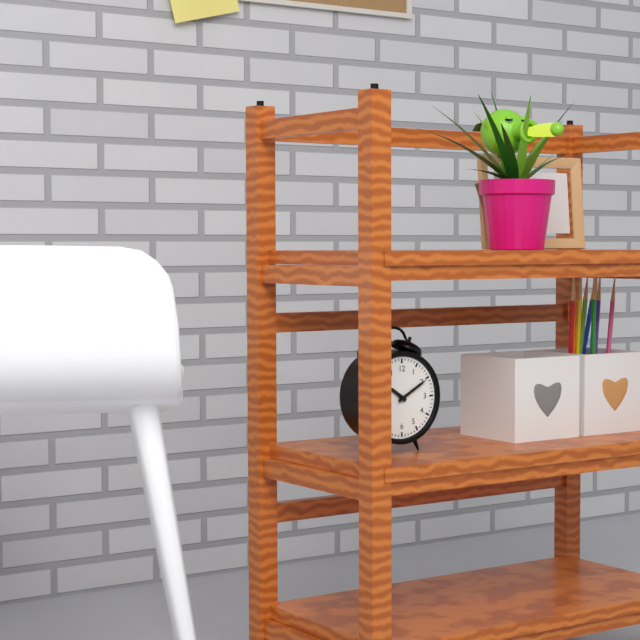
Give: 10h10
